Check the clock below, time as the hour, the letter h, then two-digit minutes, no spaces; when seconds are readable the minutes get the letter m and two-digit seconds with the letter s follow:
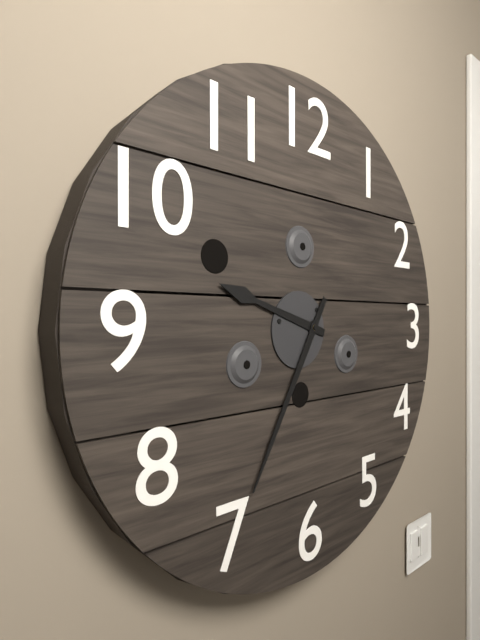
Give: 9h35
